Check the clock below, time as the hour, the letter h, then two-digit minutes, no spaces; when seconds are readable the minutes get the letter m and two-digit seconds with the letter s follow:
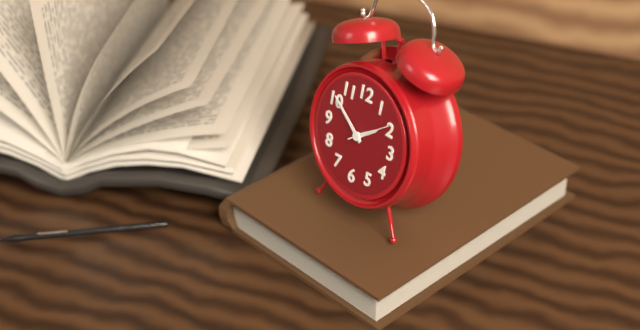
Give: 1h51
